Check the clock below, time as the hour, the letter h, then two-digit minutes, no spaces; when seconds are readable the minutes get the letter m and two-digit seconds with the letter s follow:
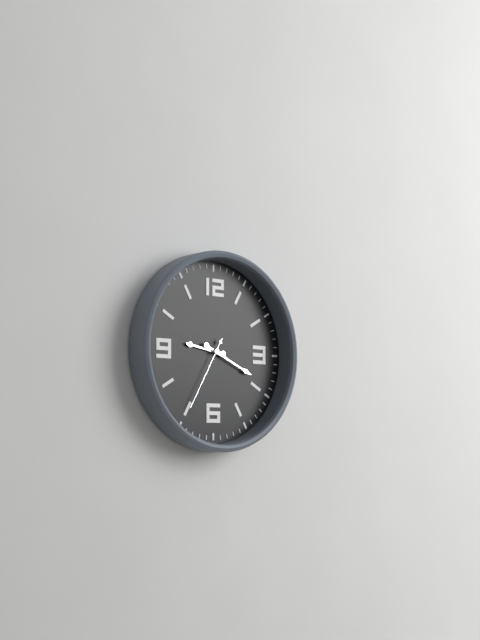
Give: 9h19m35s
